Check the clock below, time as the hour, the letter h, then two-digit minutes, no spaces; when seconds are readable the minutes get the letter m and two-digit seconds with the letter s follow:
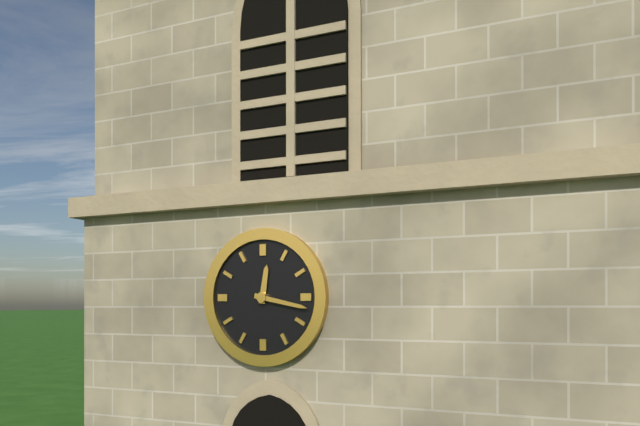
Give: 12h17
